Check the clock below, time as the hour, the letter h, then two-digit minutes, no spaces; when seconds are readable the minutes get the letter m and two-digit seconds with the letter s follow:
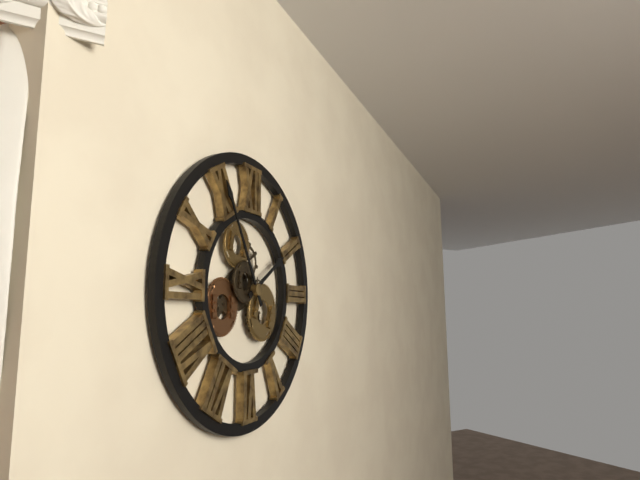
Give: 1h55
